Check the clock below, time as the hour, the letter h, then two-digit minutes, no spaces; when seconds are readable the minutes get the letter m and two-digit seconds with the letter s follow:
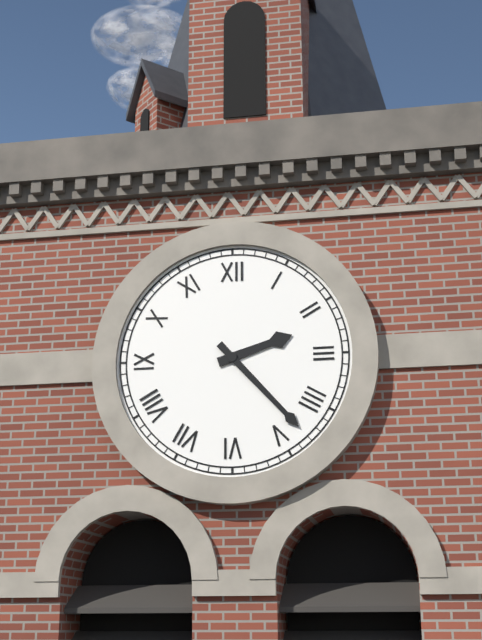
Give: 2h23
